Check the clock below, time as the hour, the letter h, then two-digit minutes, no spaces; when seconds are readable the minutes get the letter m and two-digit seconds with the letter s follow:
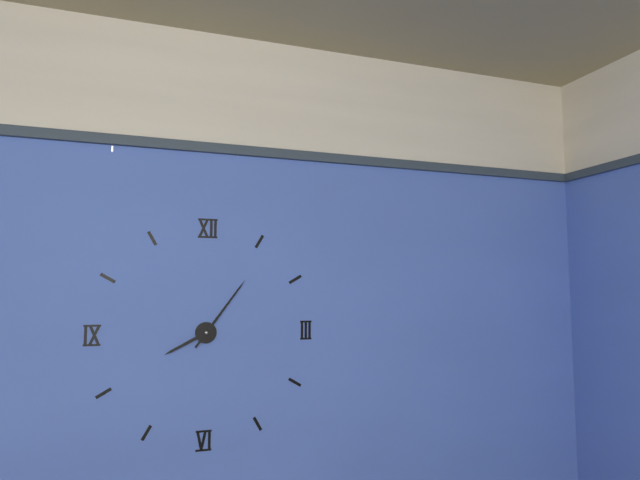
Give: 8h06
